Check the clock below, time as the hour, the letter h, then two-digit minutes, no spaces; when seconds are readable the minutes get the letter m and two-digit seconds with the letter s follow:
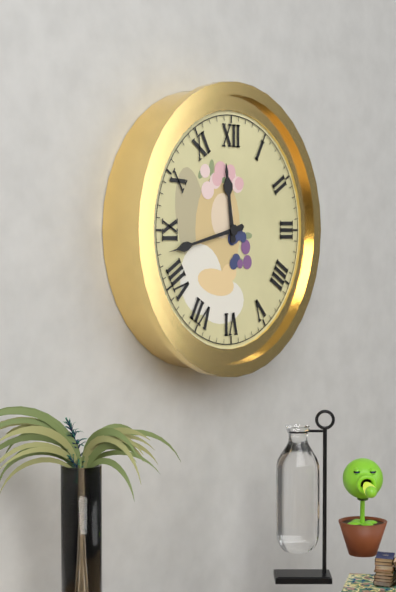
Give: 11h43
